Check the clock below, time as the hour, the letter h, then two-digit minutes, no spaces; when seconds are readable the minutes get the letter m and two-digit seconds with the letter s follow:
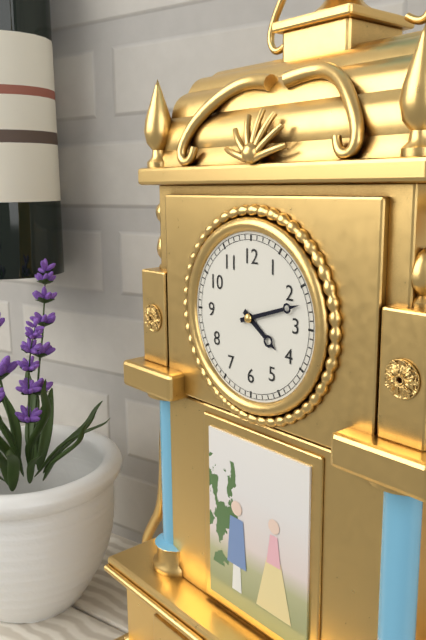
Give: 4h12
